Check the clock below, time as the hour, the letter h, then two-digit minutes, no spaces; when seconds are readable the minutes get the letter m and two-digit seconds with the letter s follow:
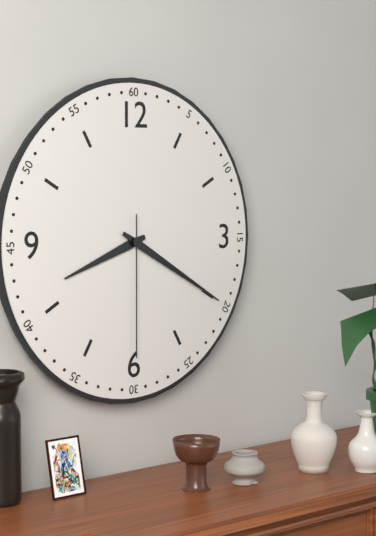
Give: 8h20m30s
